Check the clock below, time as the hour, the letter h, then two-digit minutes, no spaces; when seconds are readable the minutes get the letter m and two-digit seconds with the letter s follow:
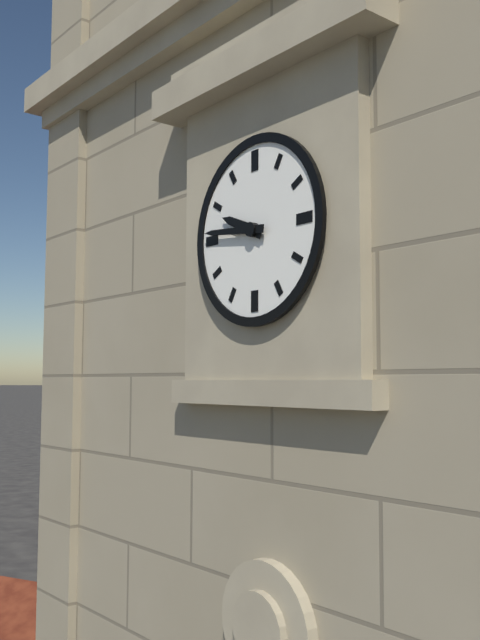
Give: 9h46
